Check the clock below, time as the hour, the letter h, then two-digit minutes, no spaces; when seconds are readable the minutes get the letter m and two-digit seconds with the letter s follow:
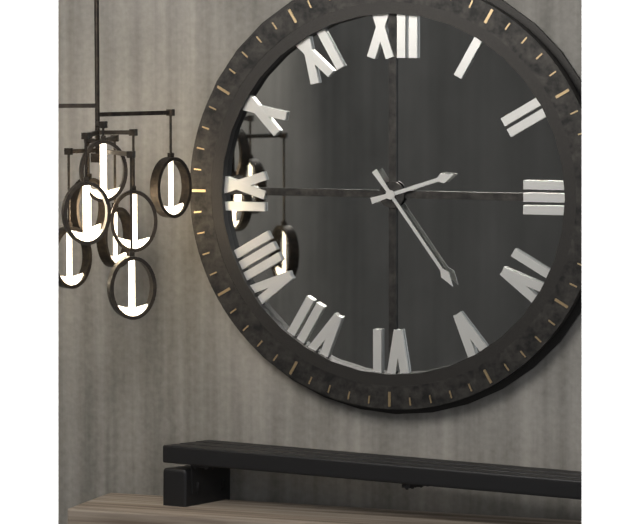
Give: 2h24
